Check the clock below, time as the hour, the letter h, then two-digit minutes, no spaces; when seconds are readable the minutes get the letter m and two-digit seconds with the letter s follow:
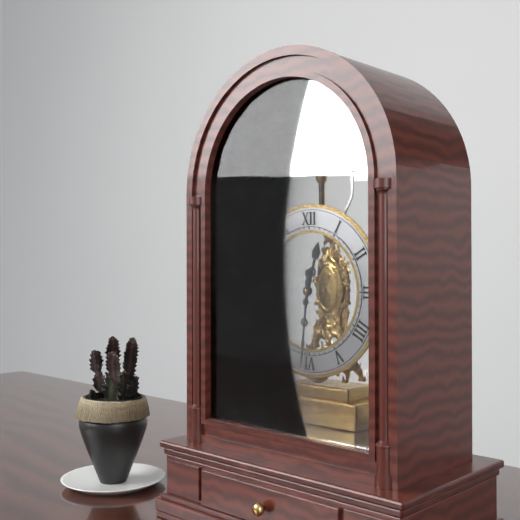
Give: 12h31
